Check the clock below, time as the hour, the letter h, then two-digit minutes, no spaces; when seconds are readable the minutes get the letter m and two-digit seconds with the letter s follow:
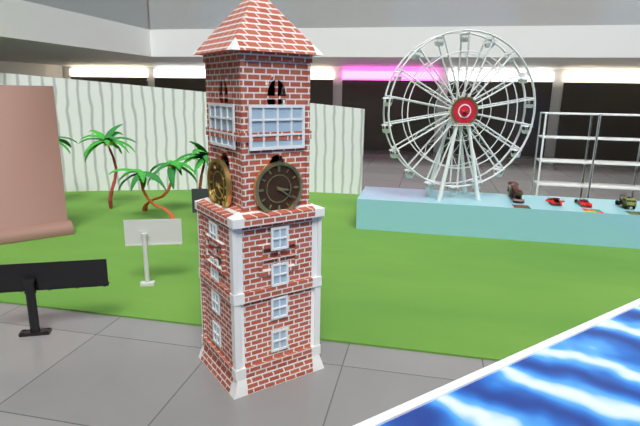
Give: 3h21
